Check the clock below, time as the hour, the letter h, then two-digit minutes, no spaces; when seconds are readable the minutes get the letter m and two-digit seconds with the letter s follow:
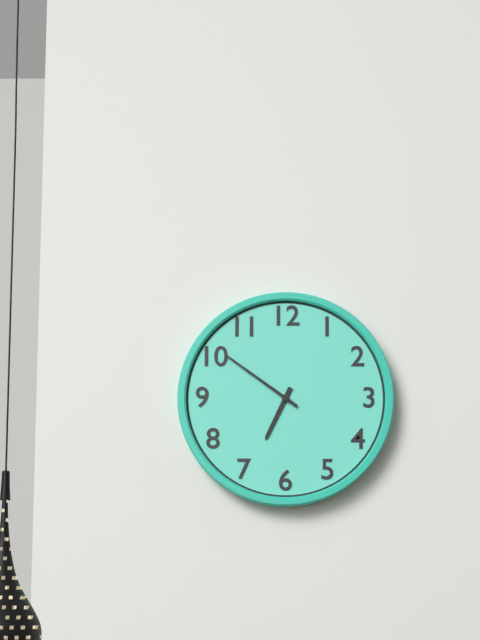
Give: 6h51
